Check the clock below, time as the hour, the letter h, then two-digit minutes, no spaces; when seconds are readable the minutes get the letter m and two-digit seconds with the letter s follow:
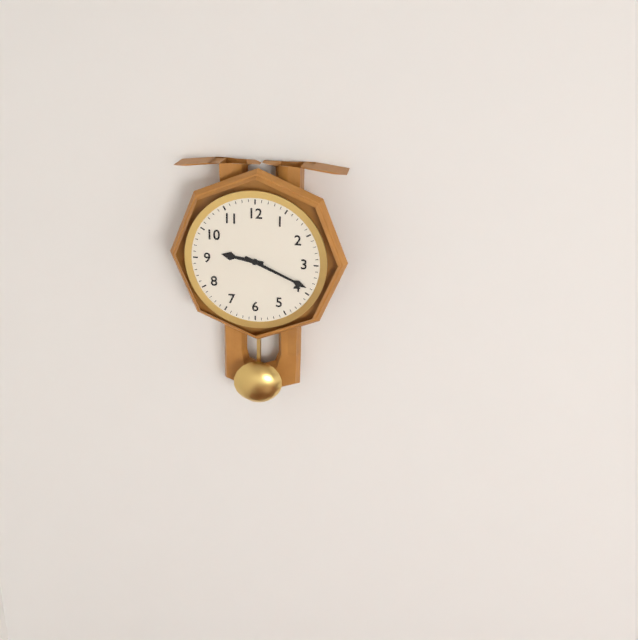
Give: 9h19
